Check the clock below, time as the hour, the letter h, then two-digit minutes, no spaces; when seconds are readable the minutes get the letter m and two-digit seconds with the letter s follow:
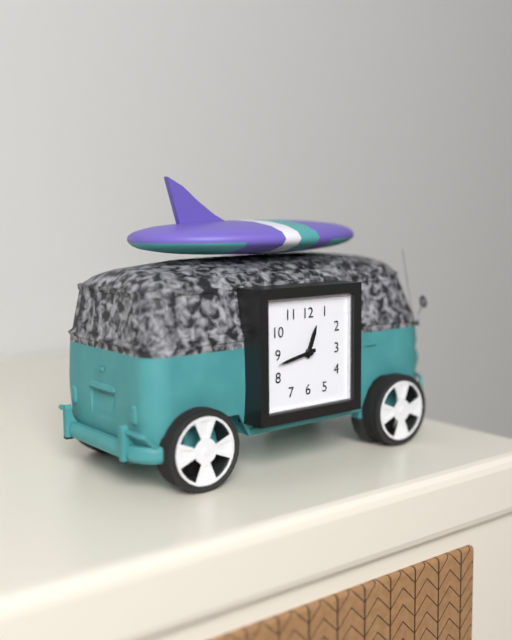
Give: 12h43
